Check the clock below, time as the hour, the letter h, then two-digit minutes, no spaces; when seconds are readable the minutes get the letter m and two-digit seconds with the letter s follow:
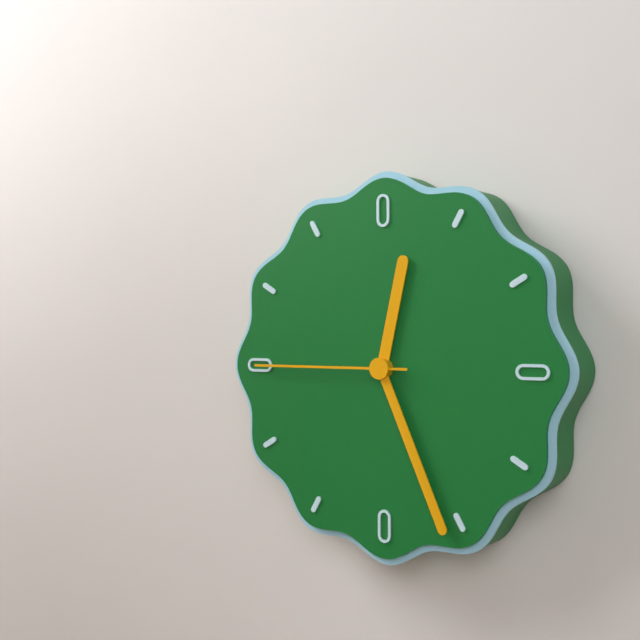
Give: 12h26m45s
